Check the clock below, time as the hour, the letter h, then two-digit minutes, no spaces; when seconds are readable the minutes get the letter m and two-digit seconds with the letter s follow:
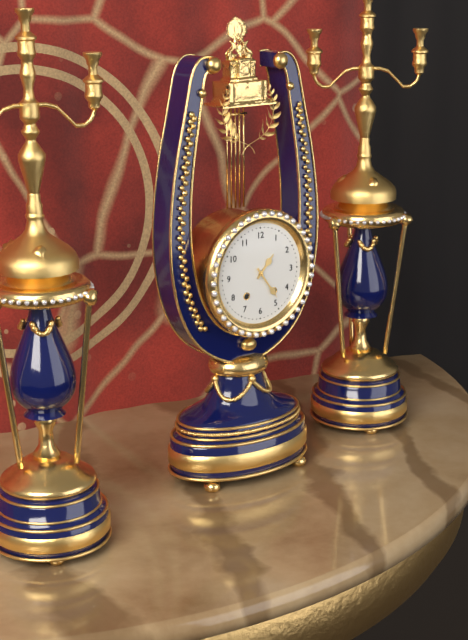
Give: 1h24
